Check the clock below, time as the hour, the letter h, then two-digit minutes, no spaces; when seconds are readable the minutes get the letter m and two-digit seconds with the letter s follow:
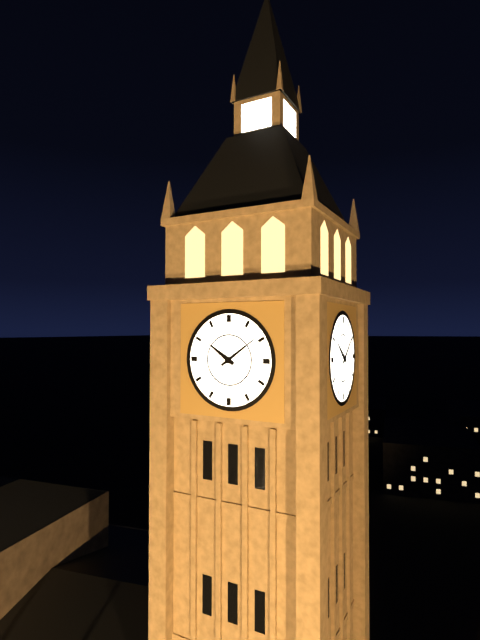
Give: 10h09
